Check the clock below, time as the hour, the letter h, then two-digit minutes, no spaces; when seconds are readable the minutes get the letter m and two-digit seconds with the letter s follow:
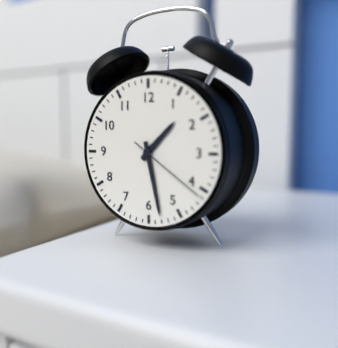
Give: 1h28m21s
